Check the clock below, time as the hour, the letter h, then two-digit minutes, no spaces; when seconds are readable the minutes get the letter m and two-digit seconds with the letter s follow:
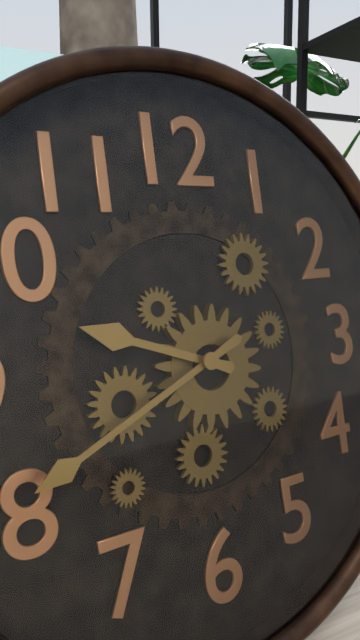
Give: 9h41
